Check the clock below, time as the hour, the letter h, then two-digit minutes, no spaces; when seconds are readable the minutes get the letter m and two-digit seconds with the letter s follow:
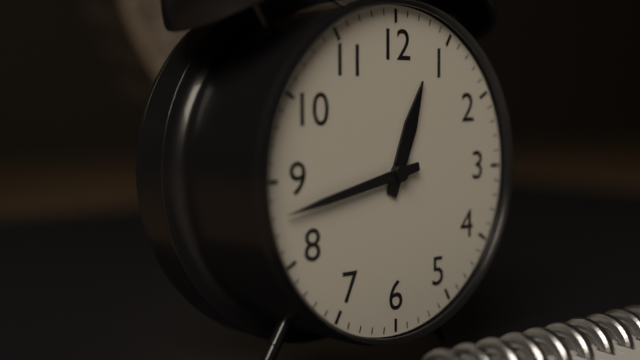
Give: 12h43
